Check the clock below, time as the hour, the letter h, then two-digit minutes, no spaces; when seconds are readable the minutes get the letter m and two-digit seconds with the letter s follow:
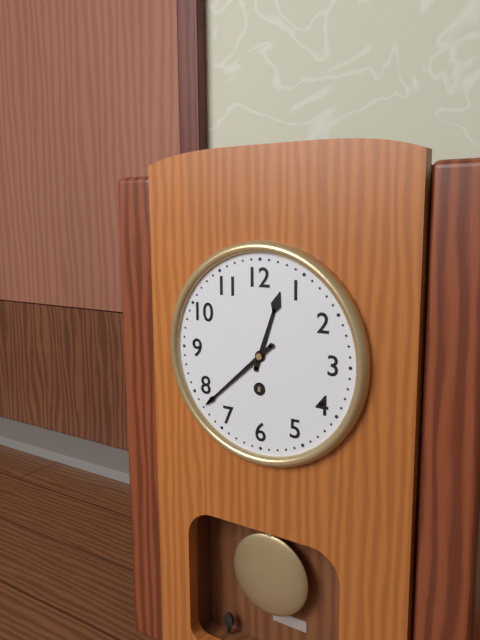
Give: 12h38
